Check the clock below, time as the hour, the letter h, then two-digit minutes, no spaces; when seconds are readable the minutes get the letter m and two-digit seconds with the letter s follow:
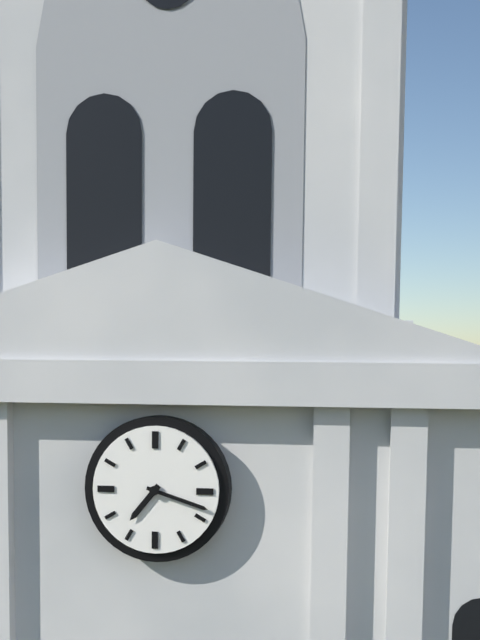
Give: 7h18
